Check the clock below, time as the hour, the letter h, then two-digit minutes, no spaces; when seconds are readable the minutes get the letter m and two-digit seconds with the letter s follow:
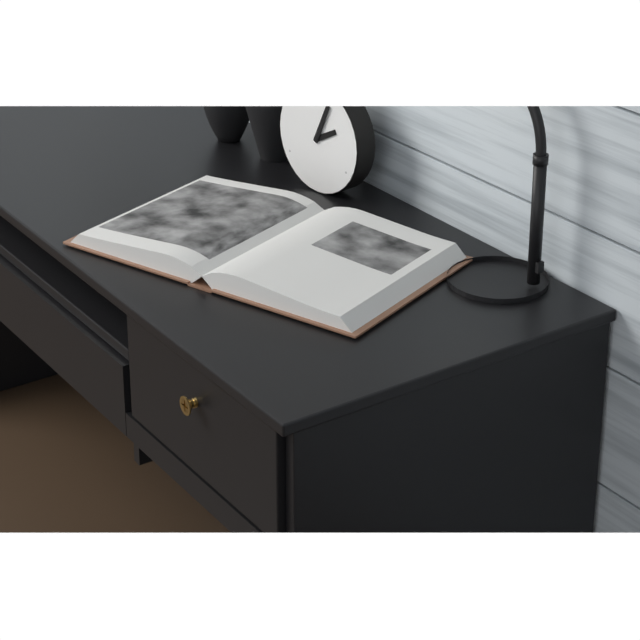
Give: 2h04
